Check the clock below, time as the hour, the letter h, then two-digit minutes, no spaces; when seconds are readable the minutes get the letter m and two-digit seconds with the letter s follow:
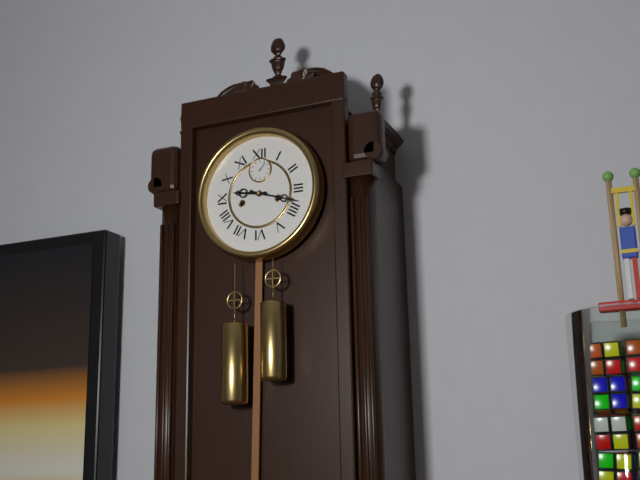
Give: 9h18
